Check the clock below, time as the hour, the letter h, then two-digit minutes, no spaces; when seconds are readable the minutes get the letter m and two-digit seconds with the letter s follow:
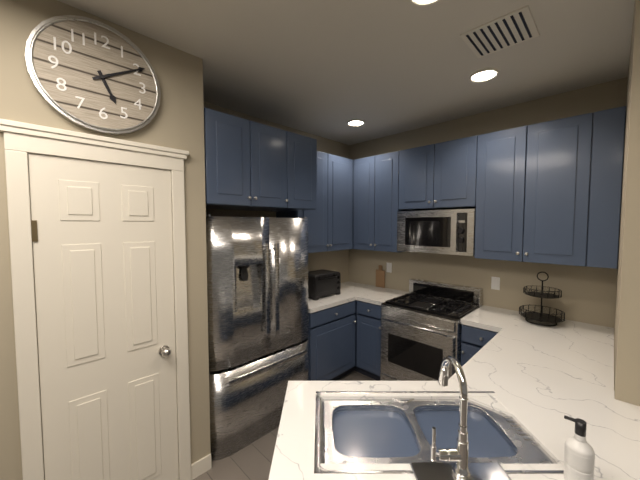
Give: 5h10
